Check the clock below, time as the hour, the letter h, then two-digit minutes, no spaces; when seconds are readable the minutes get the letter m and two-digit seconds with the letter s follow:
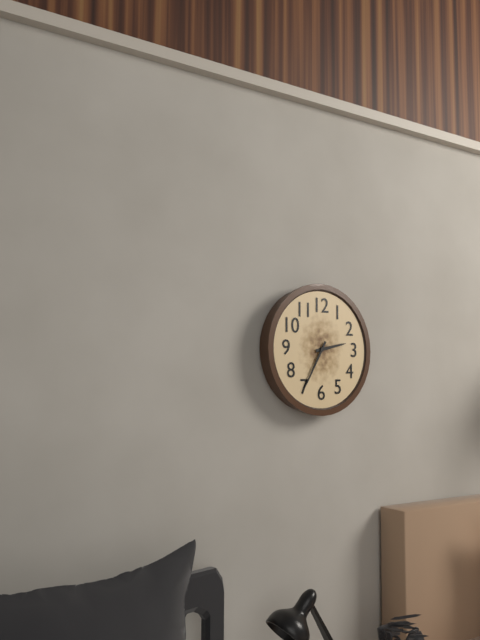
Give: 2h35
